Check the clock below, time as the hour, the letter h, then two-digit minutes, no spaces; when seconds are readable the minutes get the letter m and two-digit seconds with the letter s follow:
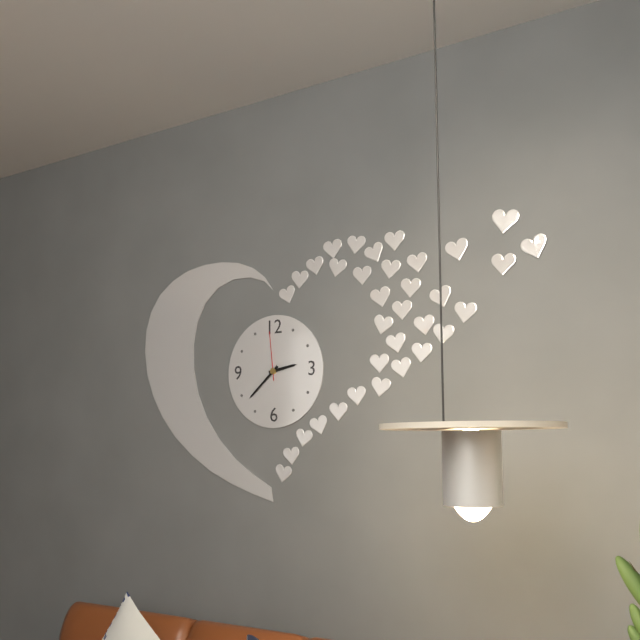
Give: 2h38m59s
